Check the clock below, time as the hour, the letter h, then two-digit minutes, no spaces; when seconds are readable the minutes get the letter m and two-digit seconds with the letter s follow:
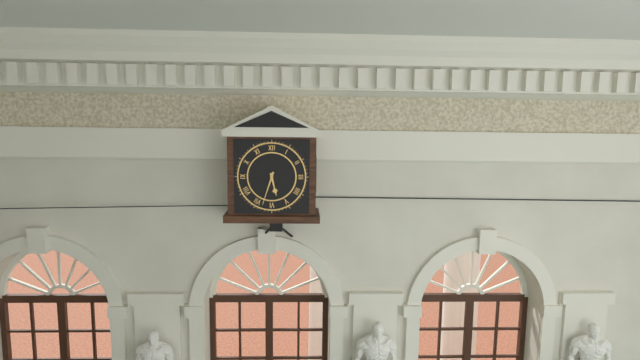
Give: 5h33
